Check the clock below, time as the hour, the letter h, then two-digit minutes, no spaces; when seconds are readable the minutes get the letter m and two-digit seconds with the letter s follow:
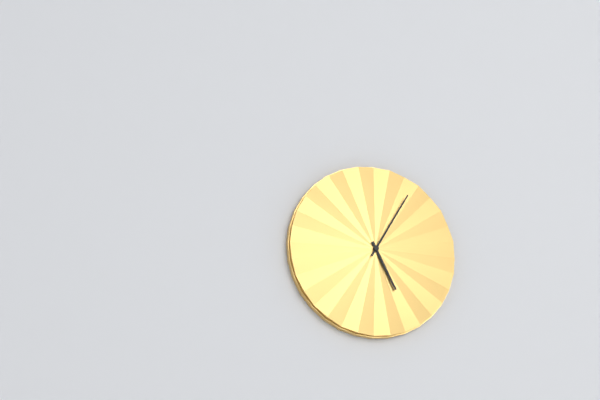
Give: 5h05
